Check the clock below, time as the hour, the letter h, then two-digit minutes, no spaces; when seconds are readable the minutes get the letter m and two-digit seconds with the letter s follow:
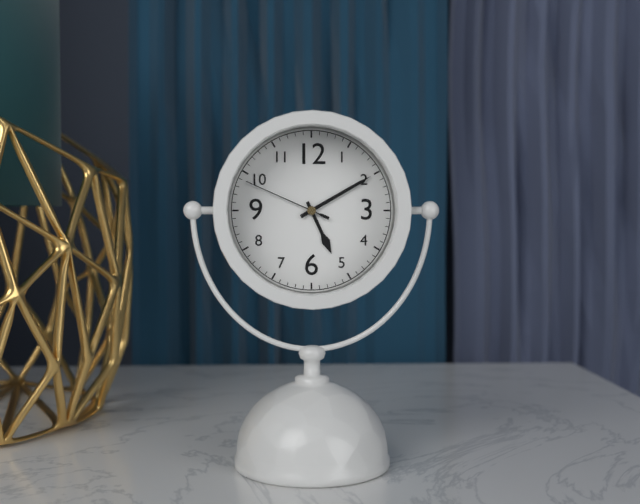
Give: 5h10m49s
